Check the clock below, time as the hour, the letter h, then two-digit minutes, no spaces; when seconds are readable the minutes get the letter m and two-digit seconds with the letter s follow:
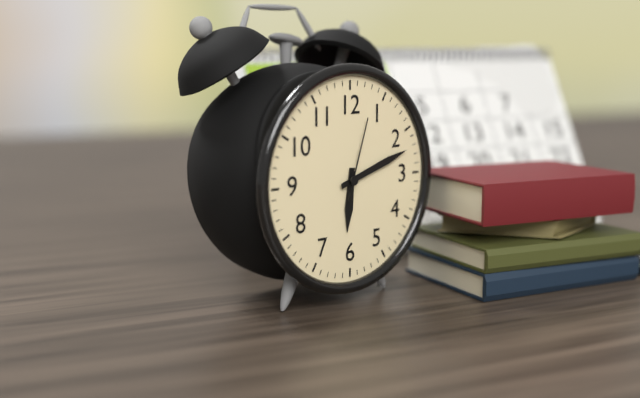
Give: 6h12m03s
